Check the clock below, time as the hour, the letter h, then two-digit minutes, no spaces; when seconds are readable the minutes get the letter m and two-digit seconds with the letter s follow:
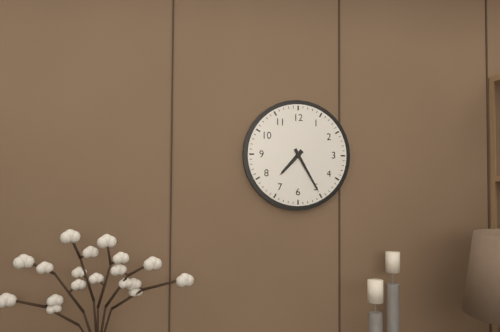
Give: 7h25
